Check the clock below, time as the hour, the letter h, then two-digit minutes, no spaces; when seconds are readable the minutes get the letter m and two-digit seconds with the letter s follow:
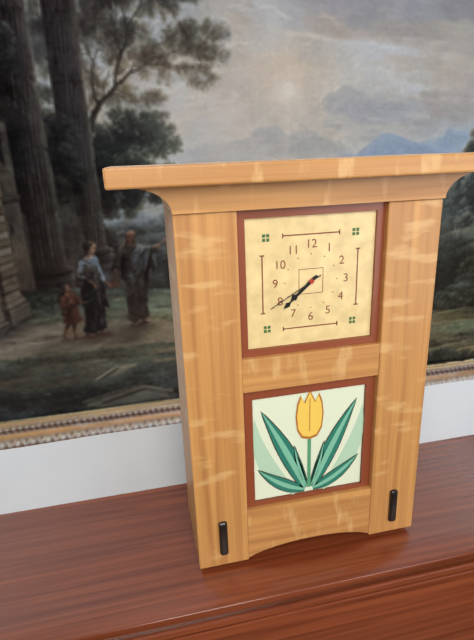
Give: 7h38m40s
